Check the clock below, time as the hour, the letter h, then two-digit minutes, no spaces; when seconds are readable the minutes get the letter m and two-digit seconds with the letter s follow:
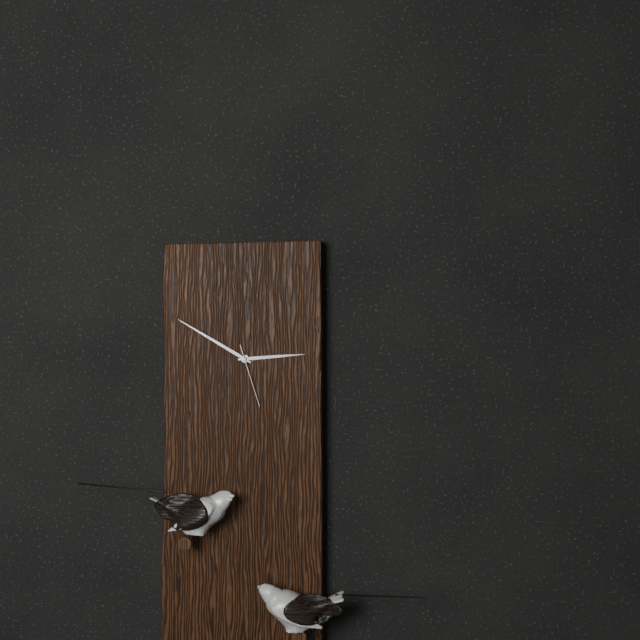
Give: 2h50m27s
